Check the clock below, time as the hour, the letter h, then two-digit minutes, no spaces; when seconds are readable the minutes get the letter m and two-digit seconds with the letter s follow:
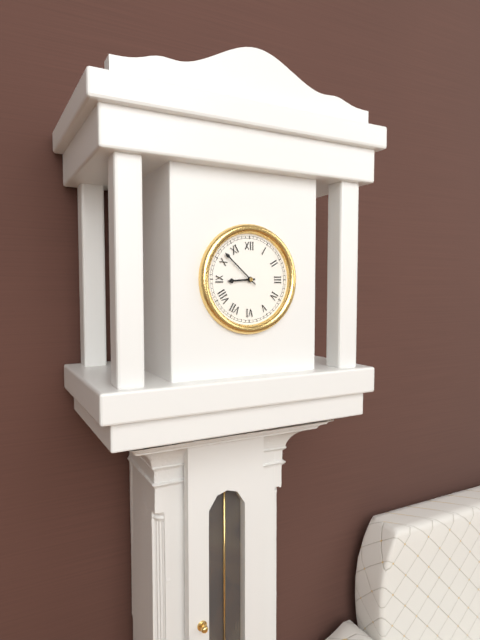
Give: 8h52
